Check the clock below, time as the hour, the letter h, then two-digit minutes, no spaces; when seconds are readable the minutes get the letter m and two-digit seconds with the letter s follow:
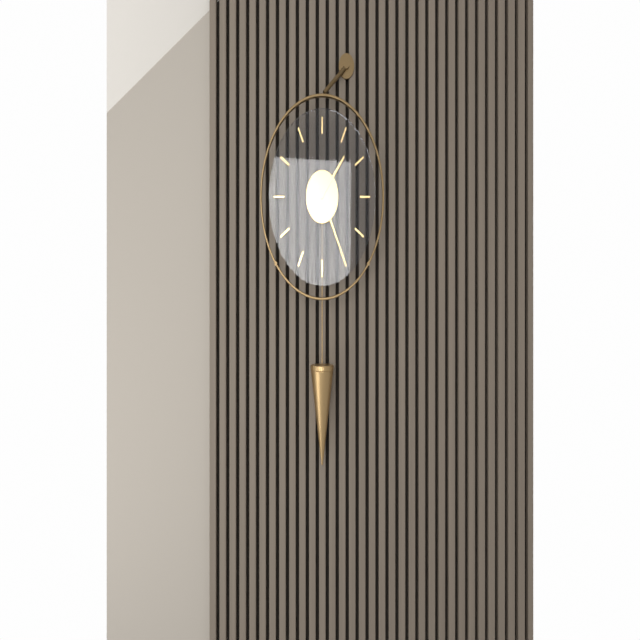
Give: 1h25
